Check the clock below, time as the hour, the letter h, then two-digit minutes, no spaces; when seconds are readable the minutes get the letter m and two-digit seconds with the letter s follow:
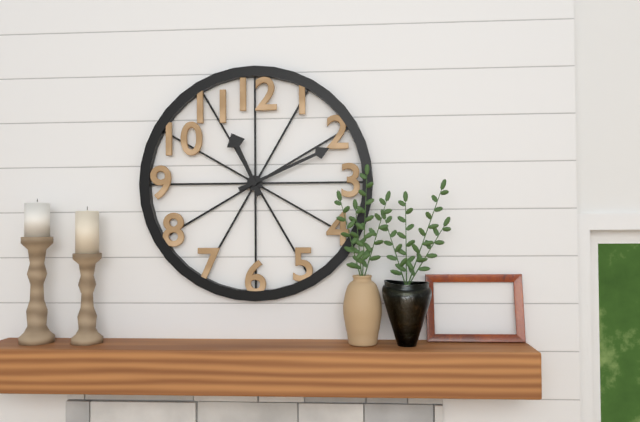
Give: 11h11
